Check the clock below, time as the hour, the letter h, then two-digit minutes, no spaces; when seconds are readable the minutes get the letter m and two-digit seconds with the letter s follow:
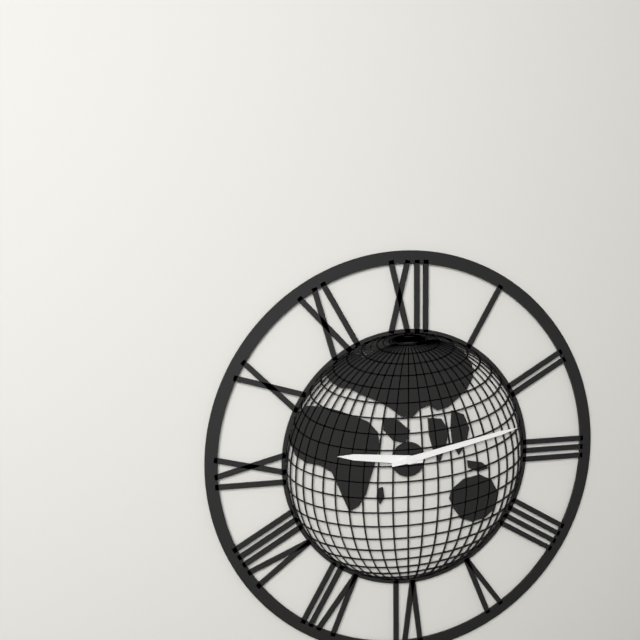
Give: 9h13
